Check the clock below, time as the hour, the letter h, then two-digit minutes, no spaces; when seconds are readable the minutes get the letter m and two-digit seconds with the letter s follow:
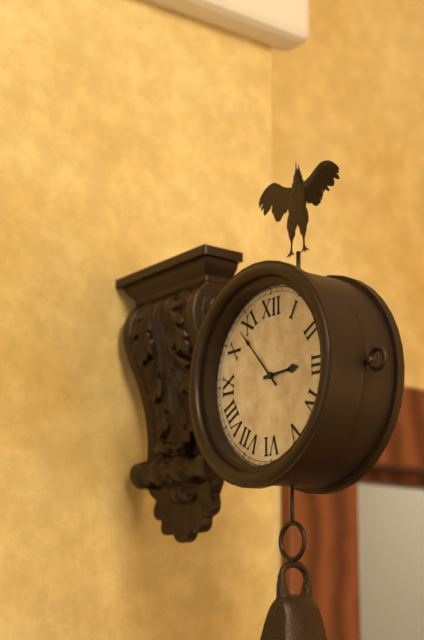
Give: 2h53
